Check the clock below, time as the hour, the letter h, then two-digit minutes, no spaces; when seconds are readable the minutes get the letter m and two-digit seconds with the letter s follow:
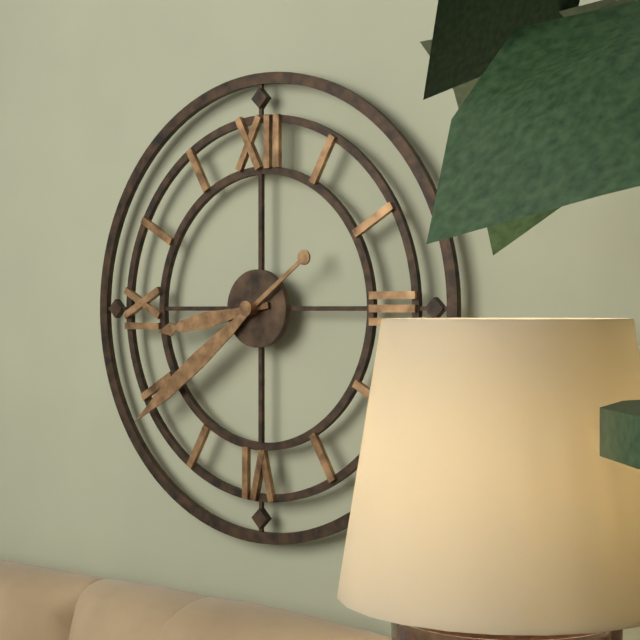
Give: 8h39
